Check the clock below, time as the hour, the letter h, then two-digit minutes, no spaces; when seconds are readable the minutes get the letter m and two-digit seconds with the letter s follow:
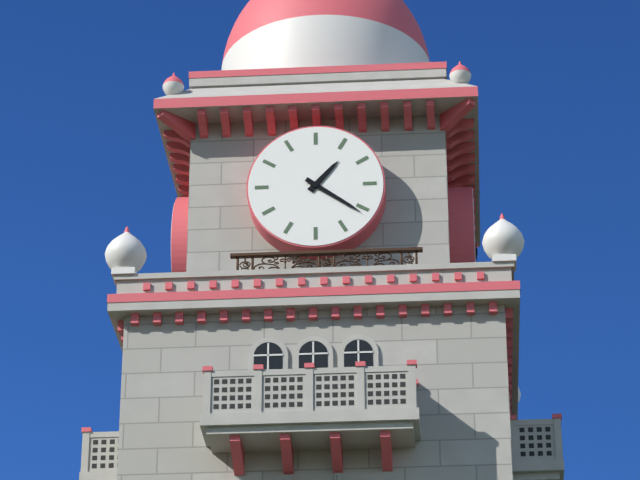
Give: 1h21
